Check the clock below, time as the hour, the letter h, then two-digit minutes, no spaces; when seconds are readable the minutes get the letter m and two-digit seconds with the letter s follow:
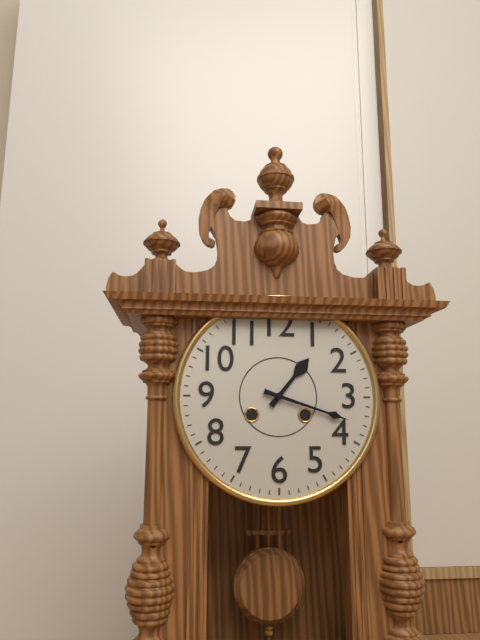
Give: 1h18
